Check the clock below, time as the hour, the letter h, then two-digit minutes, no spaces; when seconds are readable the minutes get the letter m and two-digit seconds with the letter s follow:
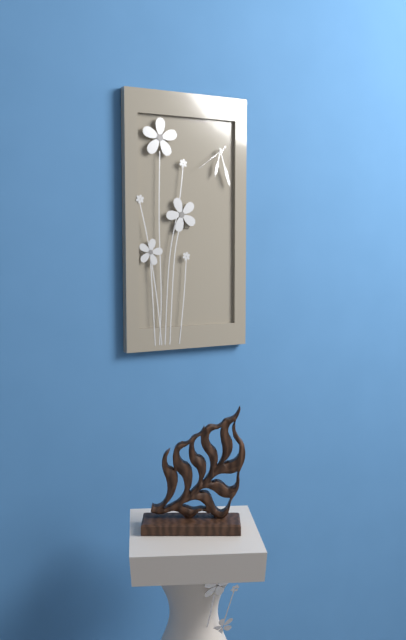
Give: 6h27
